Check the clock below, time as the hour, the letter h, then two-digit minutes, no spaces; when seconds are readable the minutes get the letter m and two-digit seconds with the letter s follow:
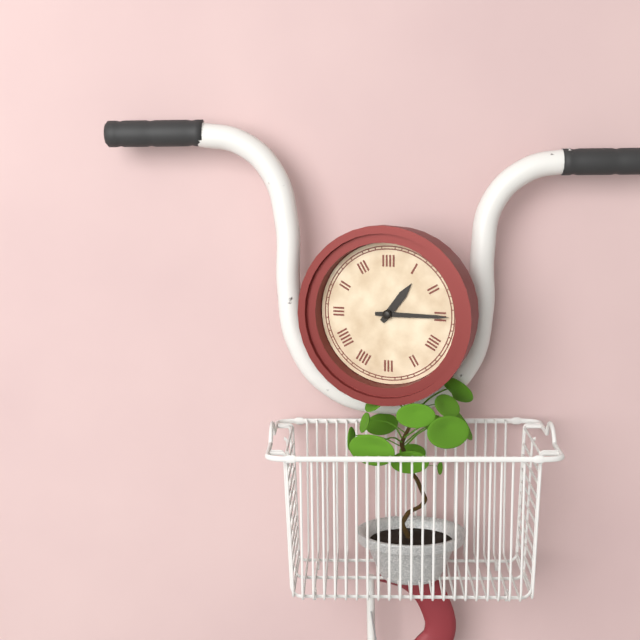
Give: 1h15
